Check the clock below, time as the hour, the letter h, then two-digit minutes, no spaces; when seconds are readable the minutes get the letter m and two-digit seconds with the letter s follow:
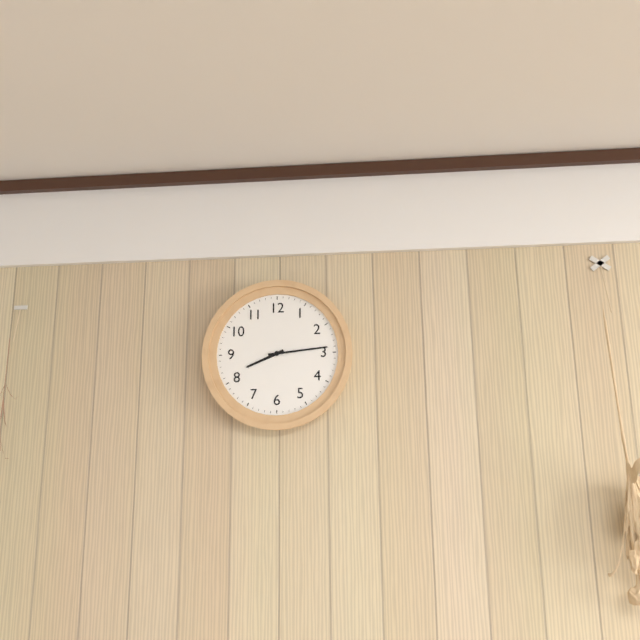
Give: 8h14
